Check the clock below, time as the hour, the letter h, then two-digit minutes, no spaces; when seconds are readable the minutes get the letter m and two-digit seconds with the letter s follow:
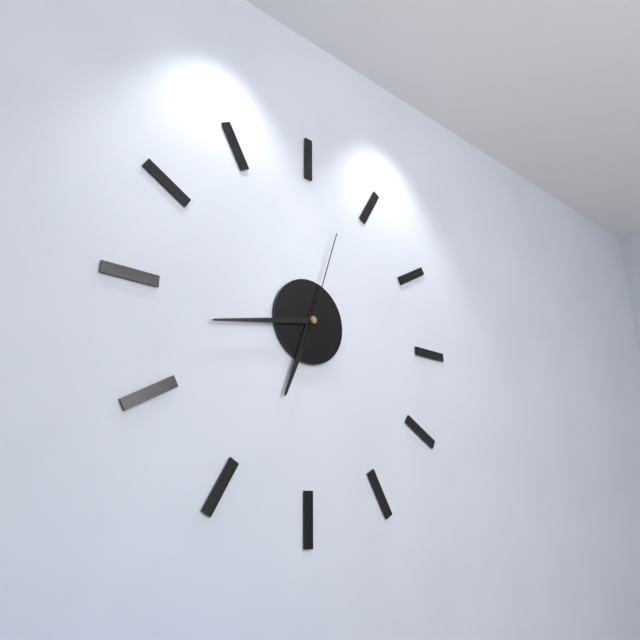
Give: 6h43m03s
